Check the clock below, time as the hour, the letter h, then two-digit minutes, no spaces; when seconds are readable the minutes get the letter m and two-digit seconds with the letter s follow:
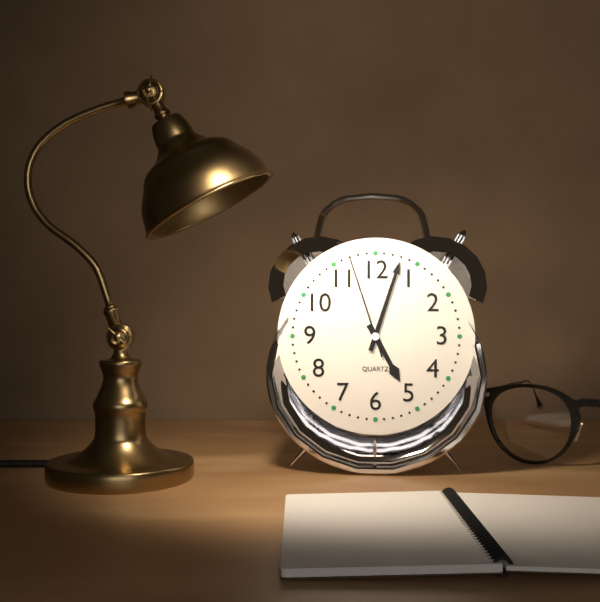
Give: 5h03m57s
